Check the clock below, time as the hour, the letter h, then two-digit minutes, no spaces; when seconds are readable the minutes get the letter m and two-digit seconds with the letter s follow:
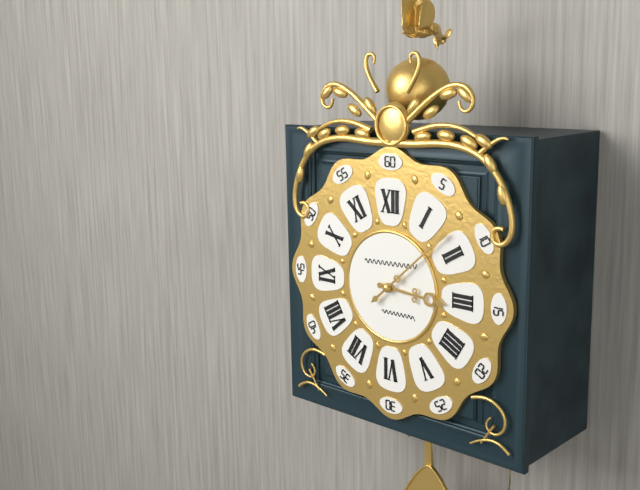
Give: 3h08
